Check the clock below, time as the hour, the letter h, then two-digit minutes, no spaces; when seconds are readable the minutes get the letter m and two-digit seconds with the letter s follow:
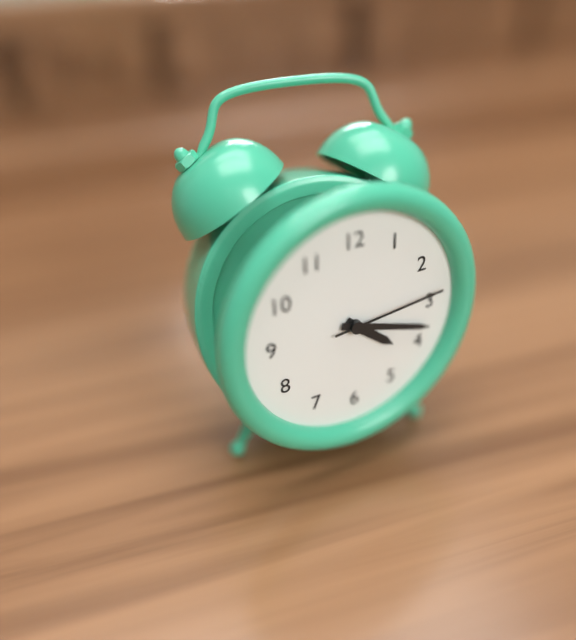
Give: 4h18m14s
